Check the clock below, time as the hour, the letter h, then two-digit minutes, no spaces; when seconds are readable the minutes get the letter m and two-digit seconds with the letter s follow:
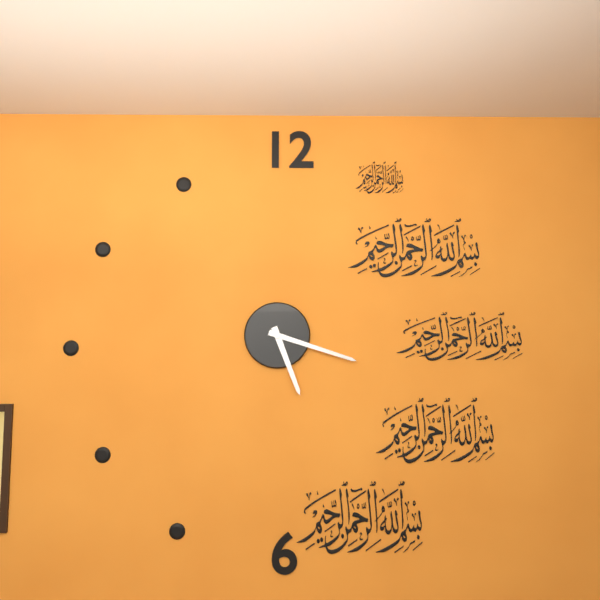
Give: 5h18
